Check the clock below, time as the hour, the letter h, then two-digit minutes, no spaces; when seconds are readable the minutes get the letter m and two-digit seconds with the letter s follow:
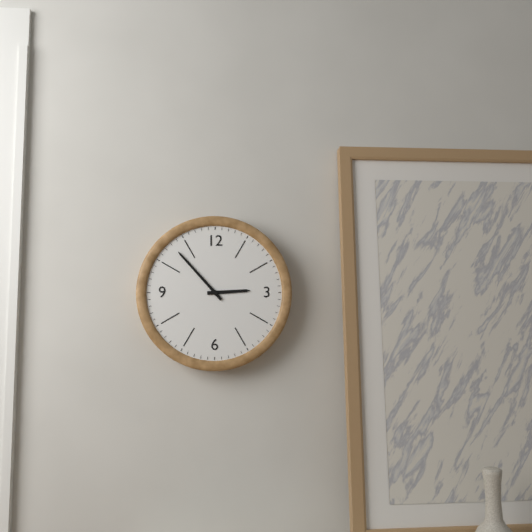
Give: 2h53
